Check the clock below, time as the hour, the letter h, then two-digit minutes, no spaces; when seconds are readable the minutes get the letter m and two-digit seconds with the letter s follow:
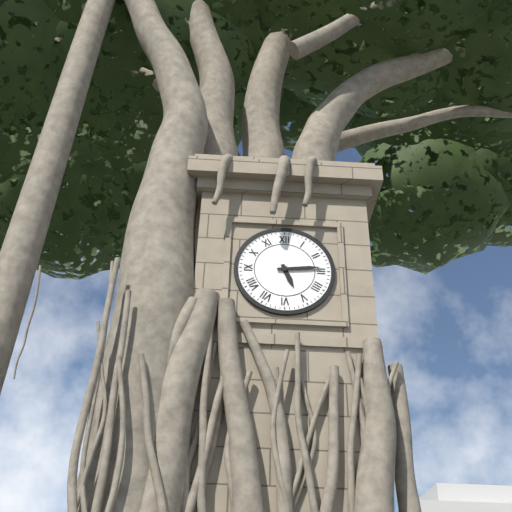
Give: 5h14
